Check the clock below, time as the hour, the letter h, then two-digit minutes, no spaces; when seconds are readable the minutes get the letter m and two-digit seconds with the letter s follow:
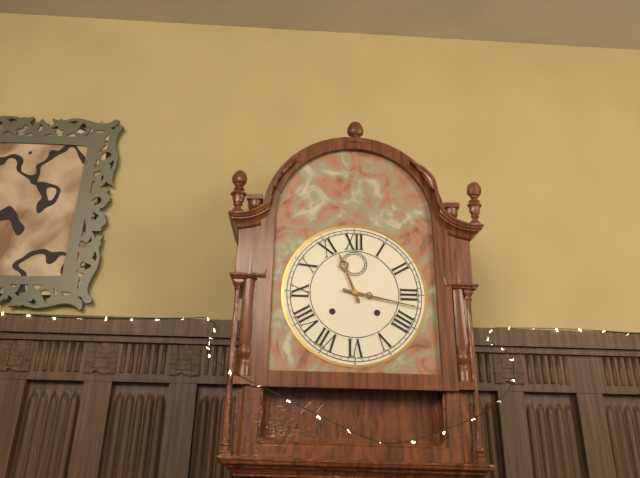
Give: 11h17
